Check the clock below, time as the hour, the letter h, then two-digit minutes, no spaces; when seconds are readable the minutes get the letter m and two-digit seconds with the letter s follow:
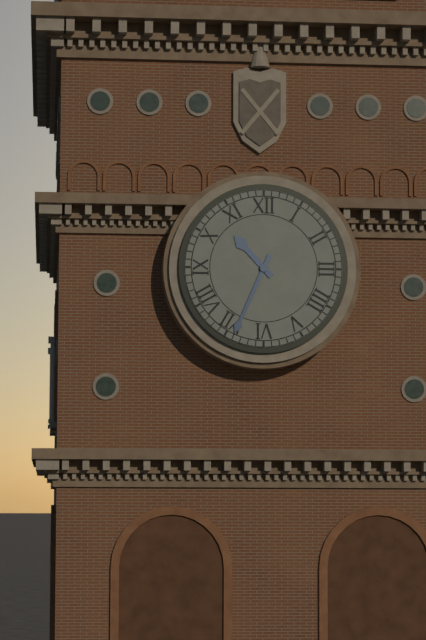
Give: 10h34
